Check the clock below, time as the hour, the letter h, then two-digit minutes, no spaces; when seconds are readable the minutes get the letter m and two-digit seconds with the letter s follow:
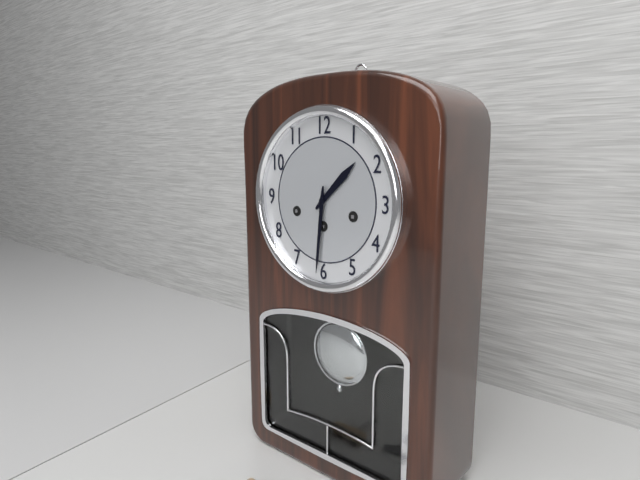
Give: 1h31
